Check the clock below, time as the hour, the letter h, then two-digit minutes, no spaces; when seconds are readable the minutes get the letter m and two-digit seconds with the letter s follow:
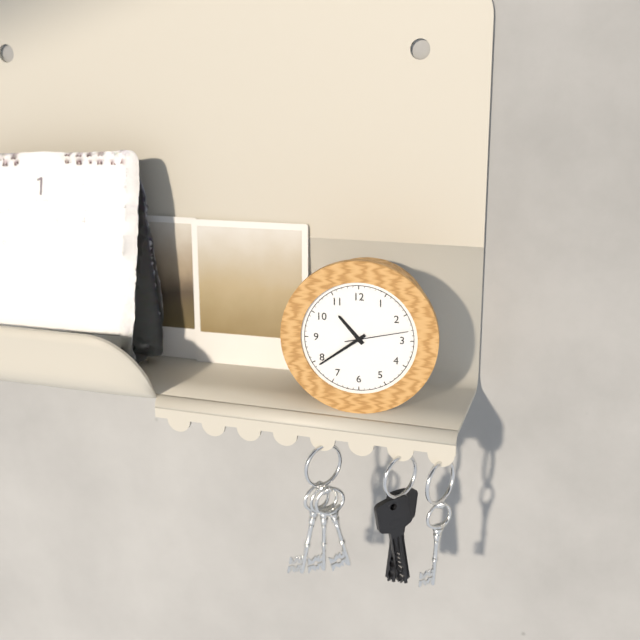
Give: 10h39m13s
